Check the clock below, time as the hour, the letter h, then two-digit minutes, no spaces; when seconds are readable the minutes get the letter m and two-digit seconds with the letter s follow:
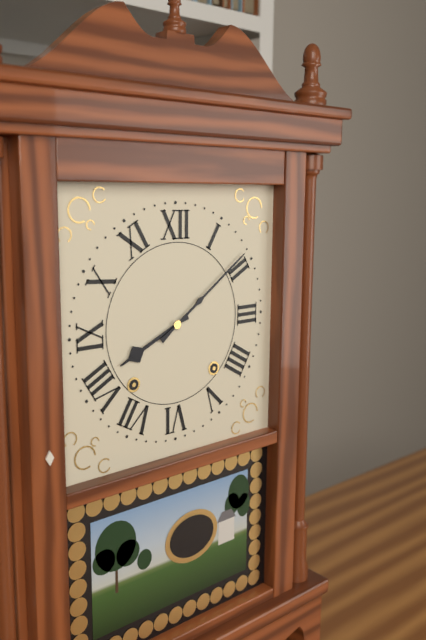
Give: 8h09
